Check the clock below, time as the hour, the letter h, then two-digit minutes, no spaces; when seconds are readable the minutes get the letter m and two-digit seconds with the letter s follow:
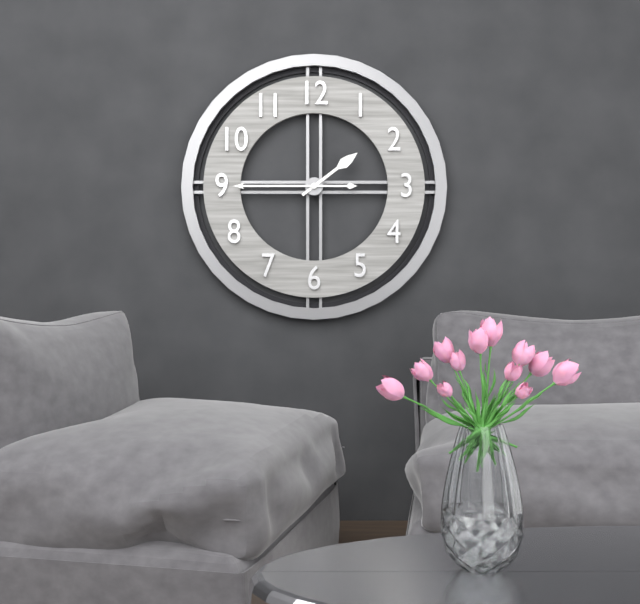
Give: 1h45
